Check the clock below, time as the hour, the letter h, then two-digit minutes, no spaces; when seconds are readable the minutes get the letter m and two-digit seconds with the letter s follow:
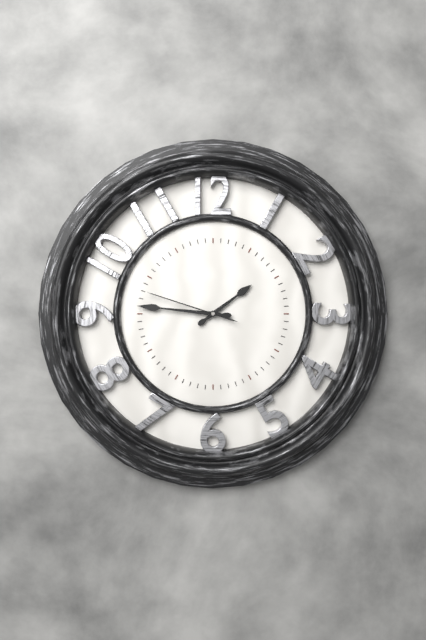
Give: 1h46m48s
